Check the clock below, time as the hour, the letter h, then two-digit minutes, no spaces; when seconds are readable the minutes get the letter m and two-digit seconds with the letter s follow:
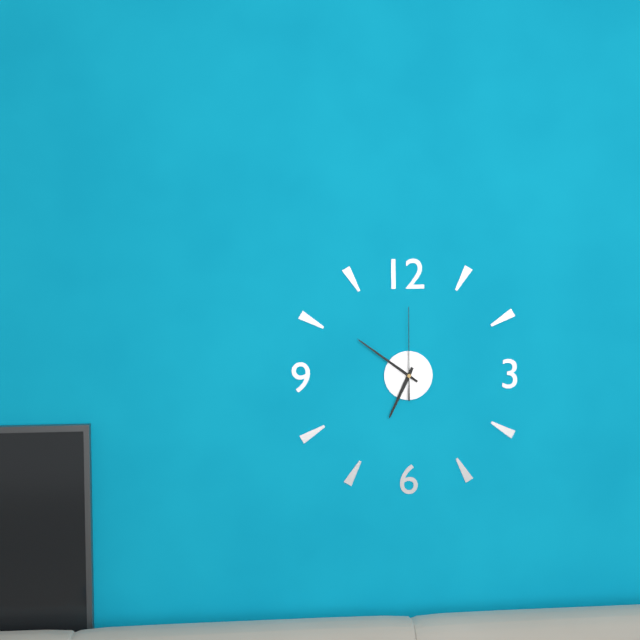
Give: 6h51m00s
